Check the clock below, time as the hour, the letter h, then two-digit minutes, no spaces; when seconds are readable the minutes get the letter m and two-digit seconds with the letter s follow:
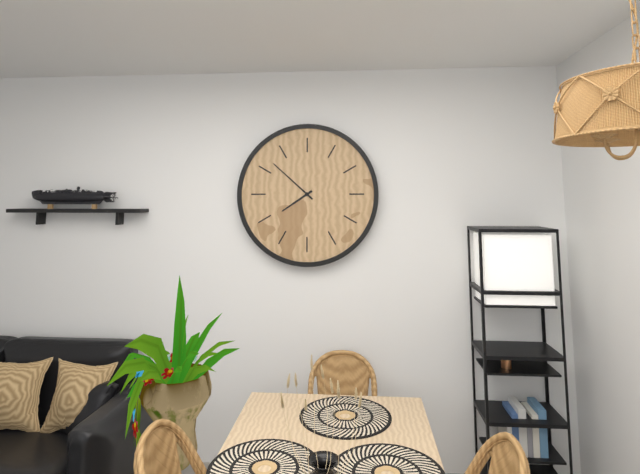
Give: 7h52
